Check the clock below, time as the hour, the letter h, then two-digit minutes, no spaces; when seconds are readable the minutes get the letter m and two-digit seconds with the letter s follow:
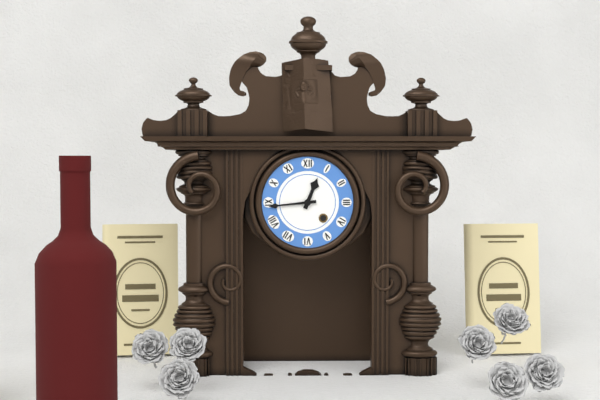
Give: 12h44
